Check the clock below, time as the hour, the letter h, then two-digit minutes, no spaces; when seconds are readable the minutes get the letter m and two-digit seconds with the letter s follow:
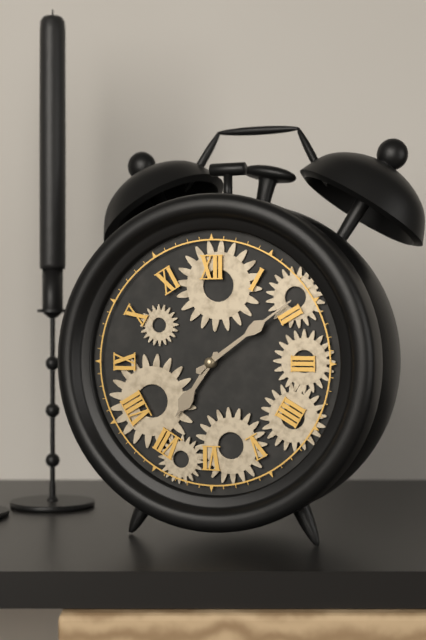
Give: 7h09
